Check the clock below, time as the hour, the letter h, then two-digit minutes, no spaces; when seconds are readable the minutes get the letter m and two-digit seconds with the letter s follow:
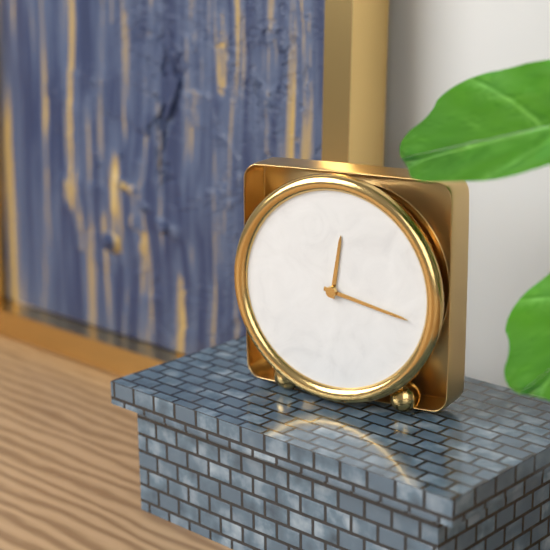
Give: 12h17
